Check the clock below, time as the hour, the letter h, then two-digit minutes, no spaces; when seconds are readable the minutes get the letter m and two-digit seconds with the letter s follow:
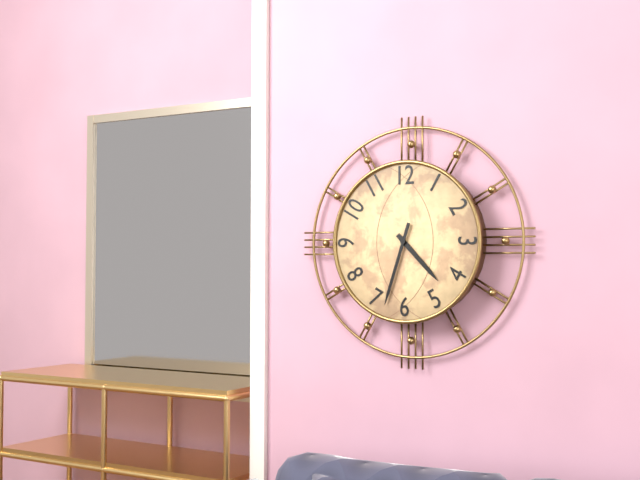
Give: 4h33
